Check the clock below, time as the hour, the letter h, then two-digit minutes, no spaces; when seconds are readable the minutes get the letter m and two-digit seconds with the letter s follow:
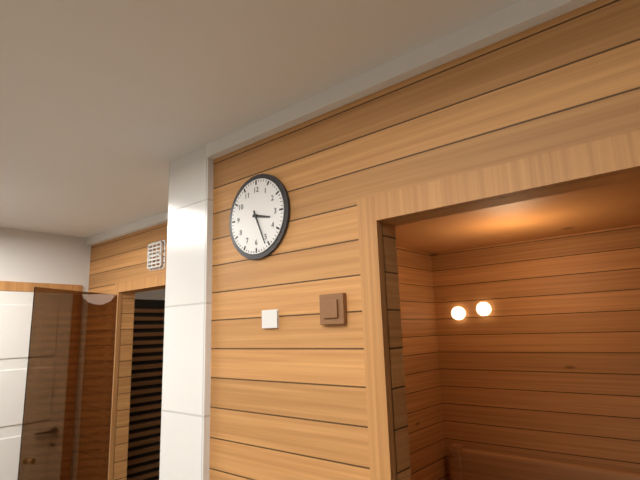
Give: 3h26
